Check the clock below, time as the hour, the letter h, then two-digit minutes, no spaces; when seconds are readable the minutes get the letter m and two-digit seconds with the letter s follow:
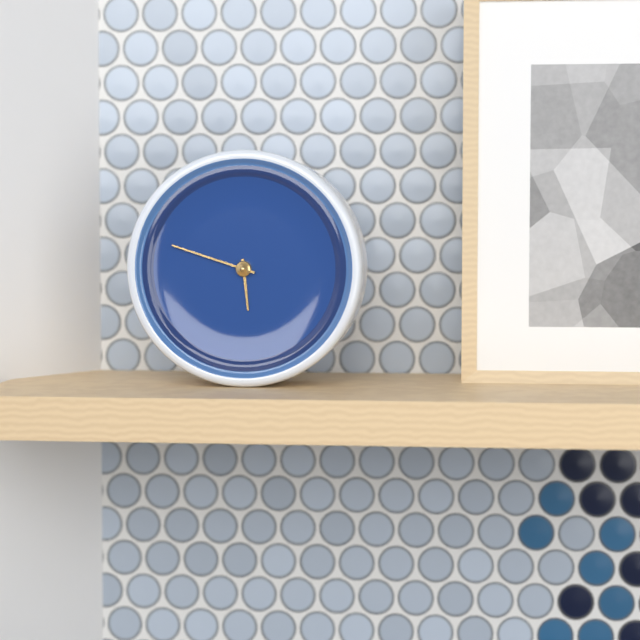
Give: 5h48
